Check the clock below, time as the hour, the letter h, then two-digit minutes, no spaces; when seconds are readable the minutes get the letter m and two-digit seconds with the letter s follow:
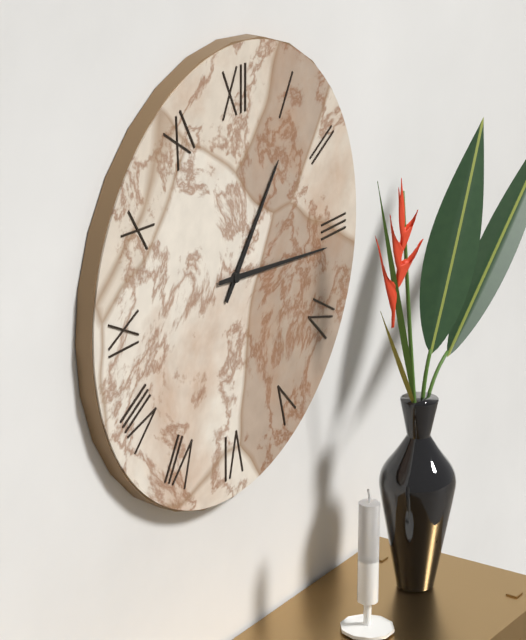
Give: 1h16
